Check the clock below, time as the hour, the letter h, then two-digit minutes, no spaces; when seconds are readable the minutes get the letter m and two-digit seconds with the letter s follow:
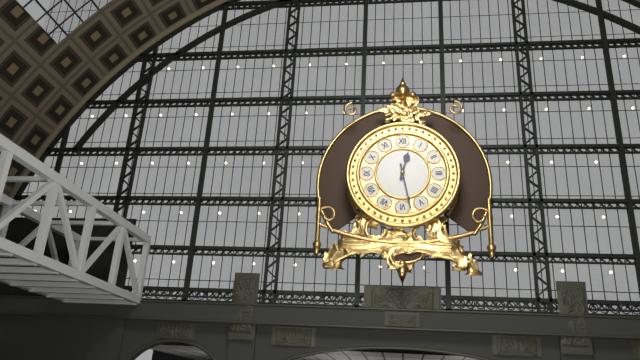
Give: 12h28
